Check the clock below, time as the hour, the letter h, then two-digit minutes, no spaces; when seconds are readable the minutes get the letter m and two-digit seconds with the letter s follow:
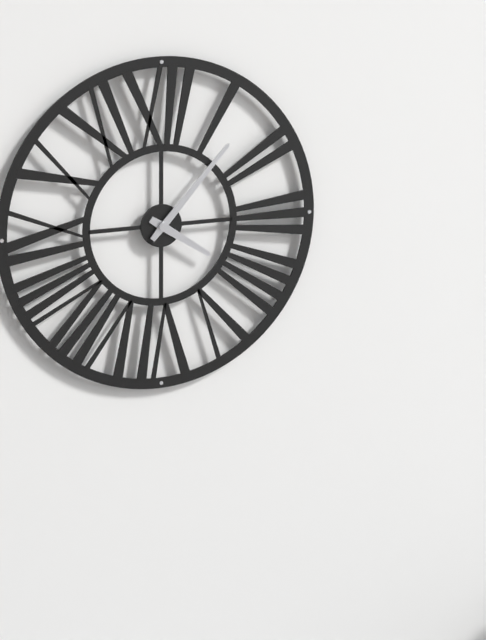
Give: 4h07
